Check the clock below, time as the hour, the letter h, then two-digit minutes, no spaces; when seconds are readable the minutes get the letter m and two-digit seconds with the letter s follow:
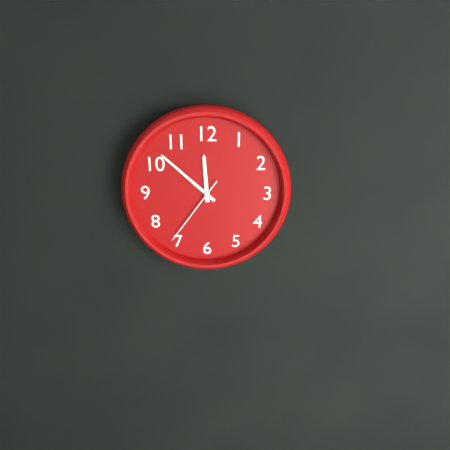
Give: 11h52m36s
